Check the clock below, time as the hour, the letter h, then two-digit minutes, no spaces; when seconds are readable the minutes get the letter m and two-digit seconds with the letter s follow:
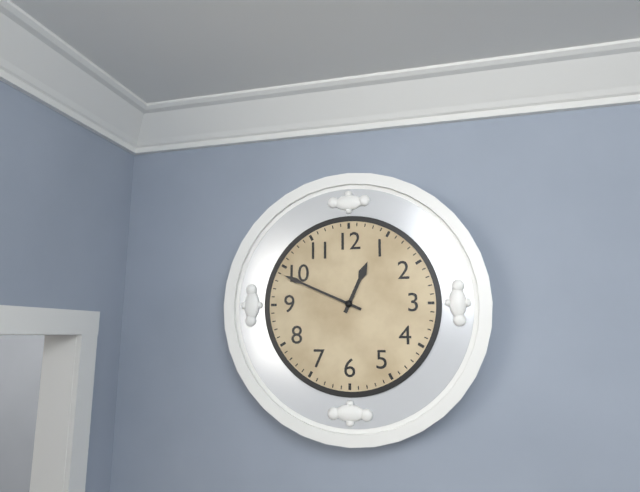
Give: 12h49
